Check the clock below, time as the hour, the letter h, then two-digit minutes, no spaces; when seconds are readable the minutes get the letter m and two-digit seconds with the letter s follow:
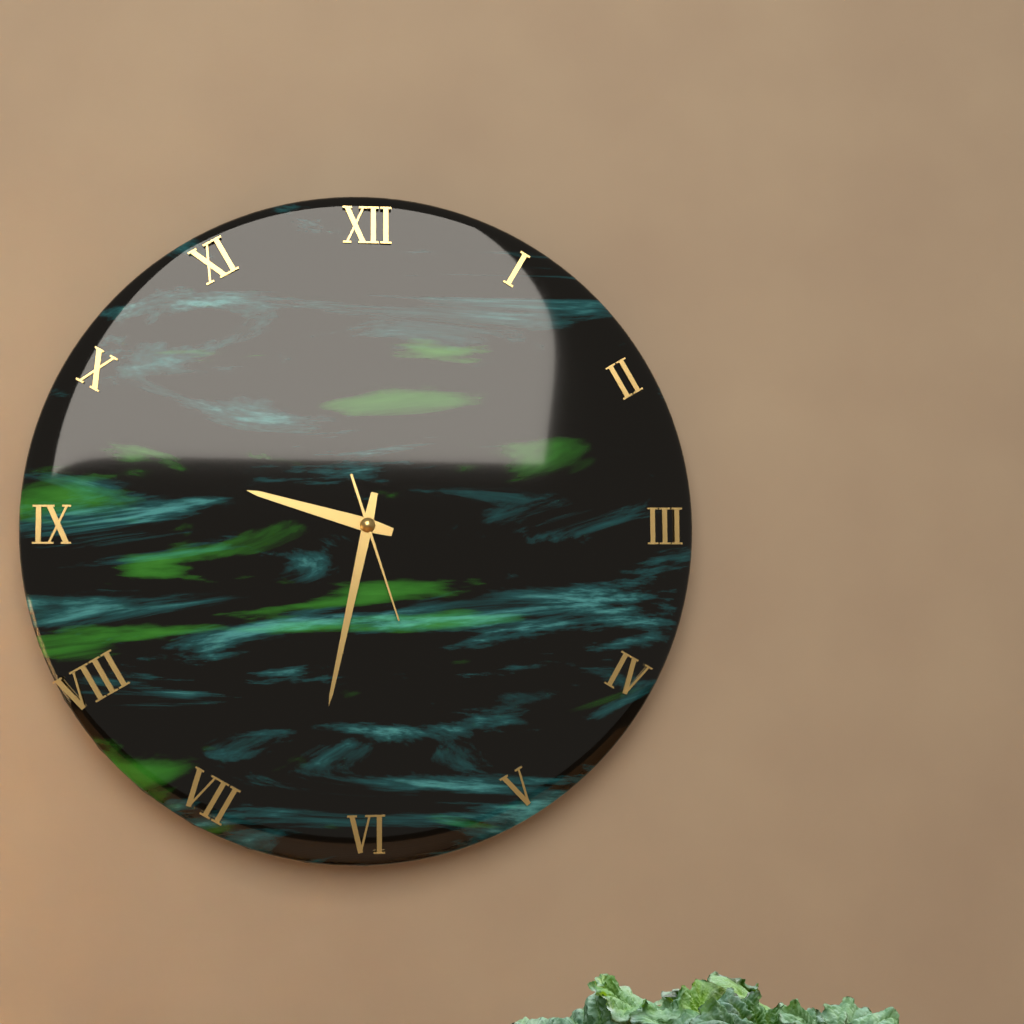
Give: 9h32m27s
